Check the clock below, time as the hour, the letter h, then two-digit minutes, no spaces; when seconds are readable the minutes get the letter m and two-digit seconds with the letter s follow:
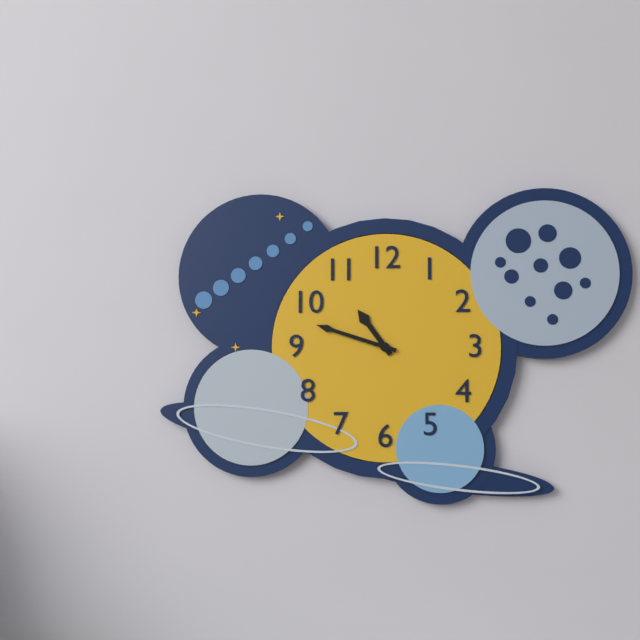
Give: 10h48
